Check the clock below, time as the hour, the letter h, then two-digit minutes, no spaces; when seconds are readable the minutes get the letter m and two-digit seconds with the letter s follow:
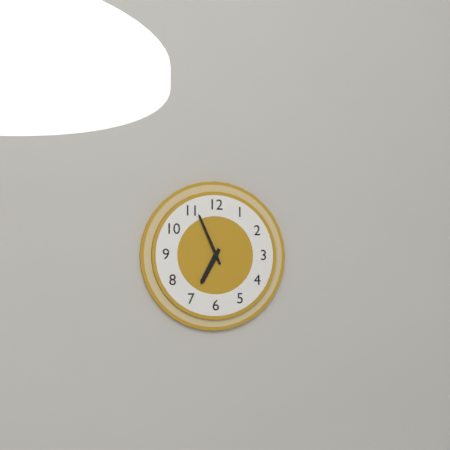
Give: 6h56
